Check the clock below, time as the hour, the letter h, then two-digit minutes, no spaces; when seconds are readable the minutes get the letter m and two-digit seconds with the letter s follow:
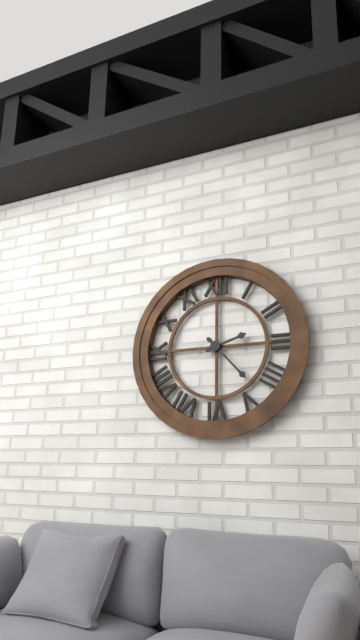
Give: 2h23
